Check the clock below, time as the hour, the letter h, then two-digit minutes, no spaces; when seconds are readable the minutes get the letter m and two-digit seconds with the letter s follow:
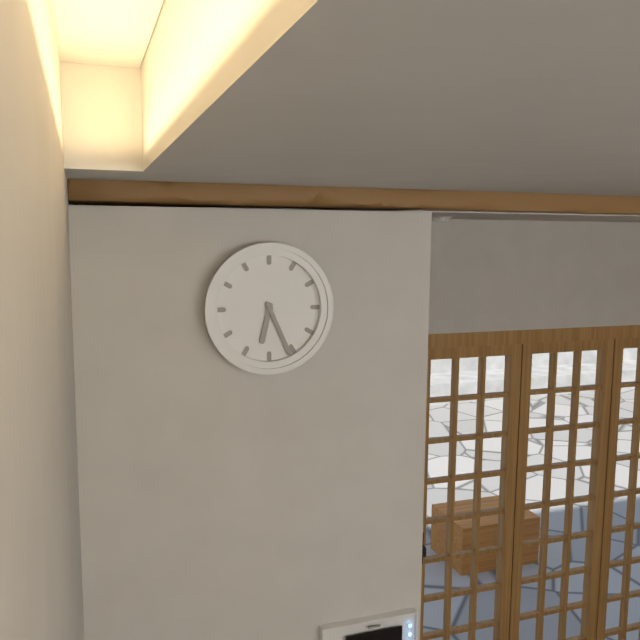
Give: 6h26
